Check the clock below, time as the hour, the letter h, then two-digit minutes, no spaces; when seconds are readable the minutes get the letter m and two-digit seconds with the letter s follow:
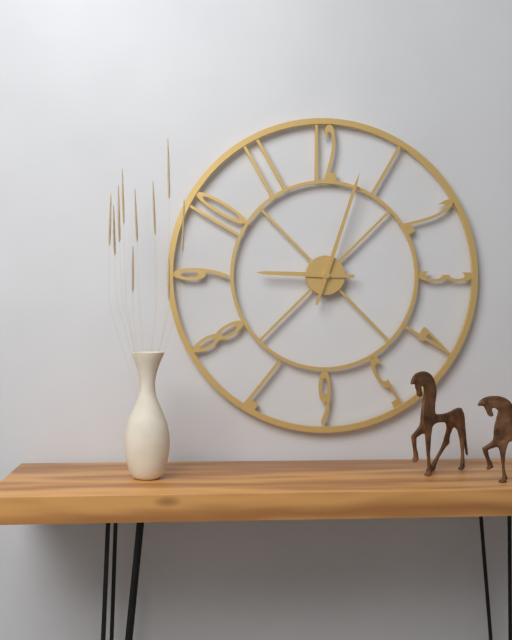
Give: 9h03
